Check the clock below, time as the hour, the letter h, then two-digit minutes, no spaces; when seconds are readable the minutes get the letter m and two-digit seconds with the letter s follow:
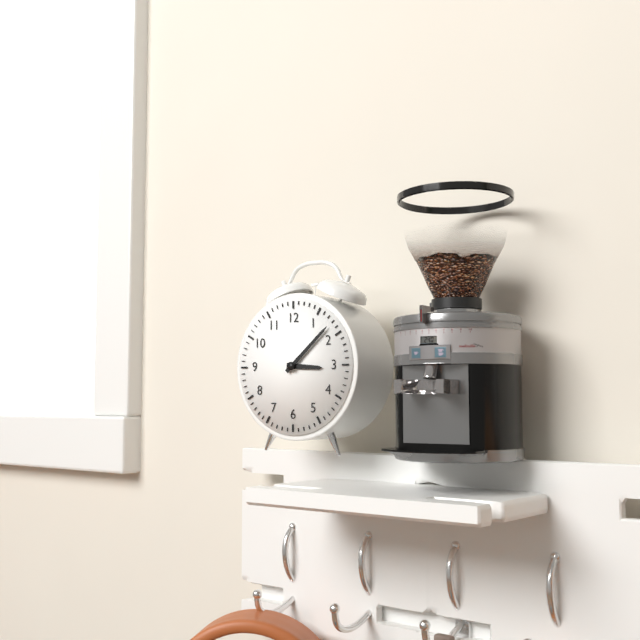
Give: 3h08
